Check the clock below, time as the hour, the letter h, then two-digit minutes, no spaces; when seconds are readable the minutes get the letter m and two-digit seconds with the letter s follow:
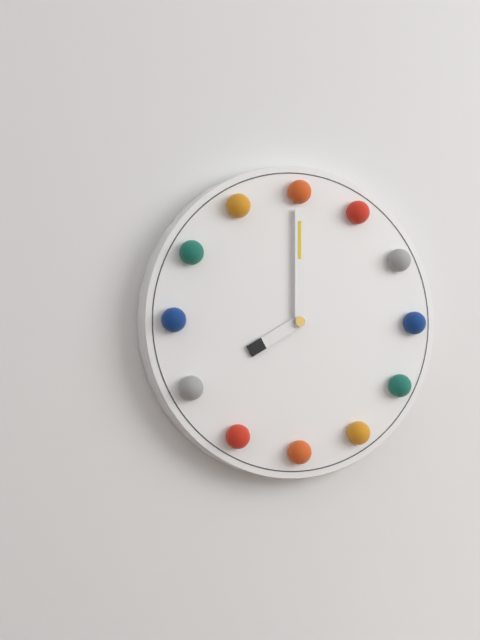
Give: 8h00
